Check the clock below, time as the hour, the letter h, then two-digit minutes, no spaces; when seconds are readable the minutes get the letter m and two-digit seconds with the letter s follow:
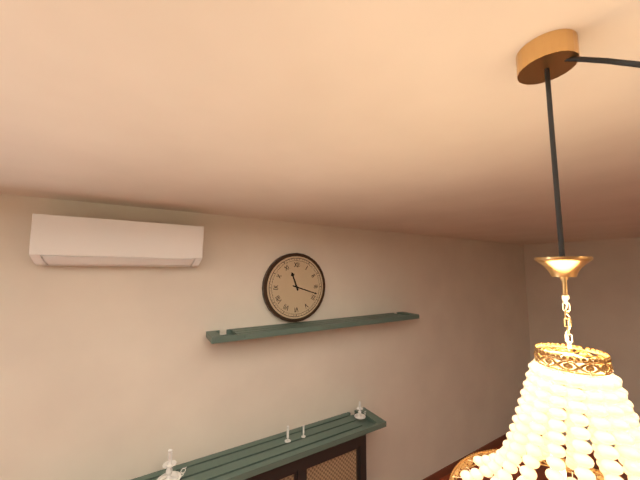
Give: 11h18
